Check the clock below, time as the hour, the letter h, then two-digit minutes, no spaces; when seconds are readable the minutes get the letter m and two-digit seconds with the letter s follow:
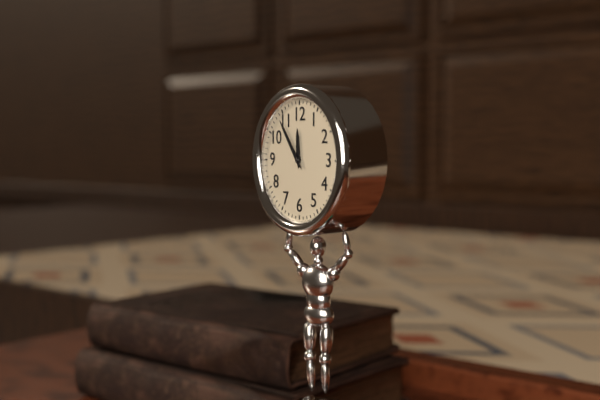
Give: 11h54
